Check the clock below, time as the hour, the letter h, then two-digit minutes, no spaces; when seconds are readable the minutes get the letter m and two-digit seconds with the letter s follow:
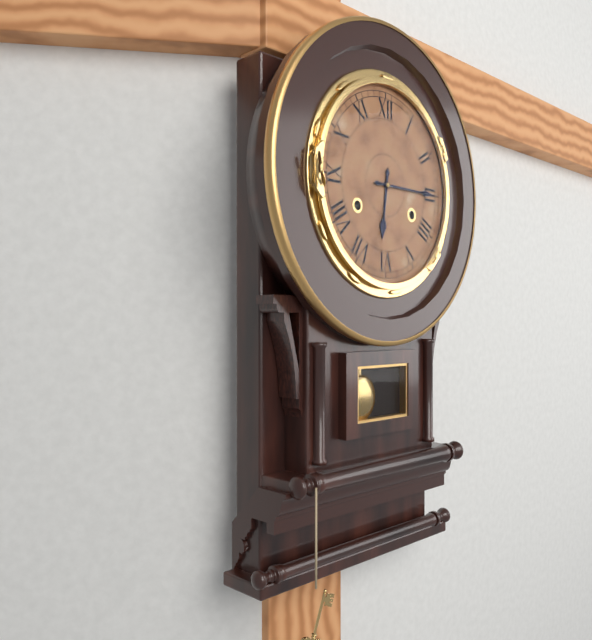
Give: 6h15
